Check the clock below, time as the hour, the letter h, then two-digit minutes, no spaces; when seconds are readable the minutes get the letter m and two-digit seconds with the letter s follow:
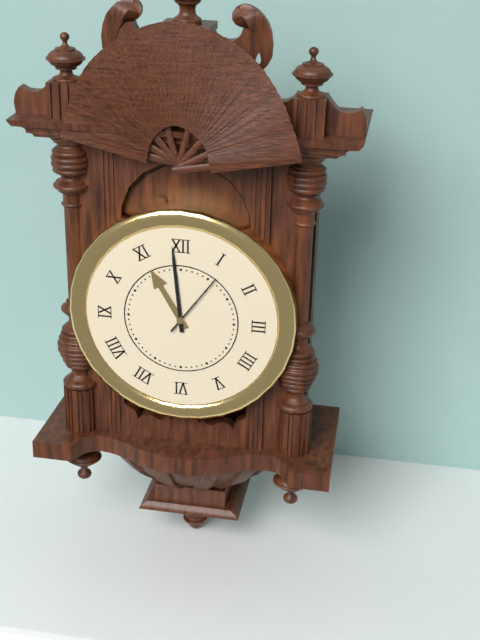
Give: 10h59m06s
